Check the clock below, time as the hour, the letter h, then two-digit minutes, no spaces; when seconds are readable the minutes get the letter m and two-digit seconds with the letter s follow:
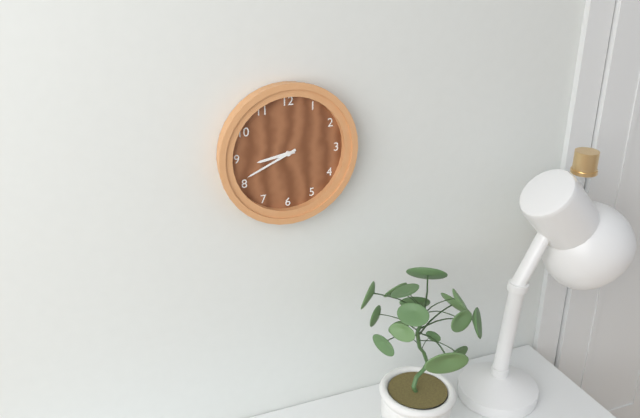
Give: 8h41
